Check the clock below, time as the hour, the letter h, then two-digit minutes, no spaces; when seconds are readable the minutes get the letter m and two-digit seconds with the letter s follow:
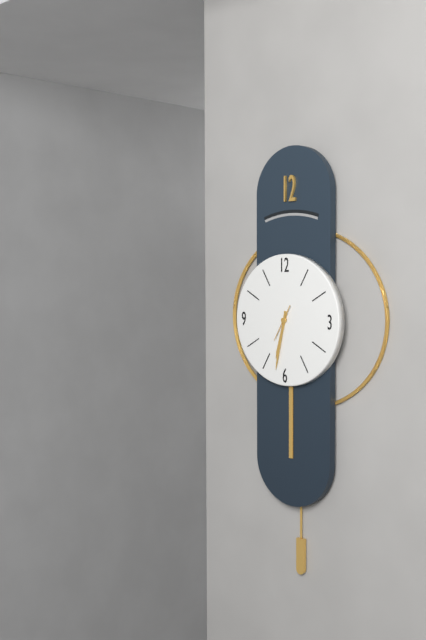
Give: 6h32
